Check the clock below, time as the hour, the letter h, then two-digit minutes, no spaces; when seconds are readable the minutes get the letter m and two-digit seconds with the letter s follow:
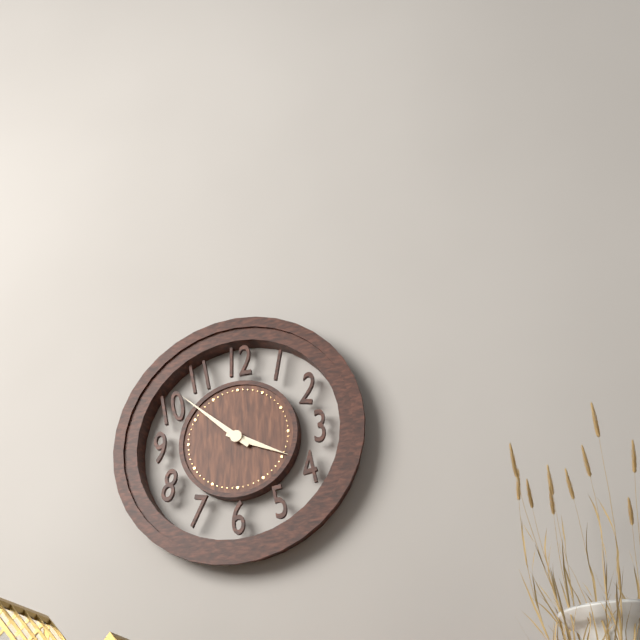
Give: 3h52
